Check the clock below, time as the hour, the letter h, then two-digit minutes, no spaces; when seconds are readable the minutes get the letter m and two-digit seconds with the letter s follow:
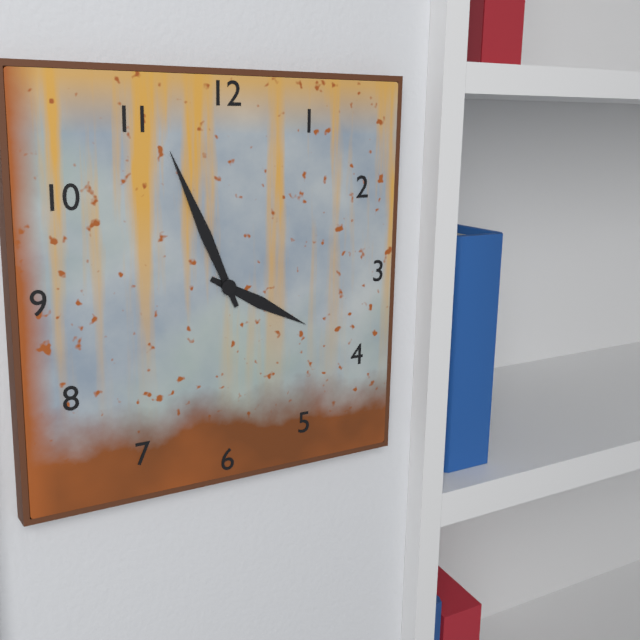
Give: 3h56
